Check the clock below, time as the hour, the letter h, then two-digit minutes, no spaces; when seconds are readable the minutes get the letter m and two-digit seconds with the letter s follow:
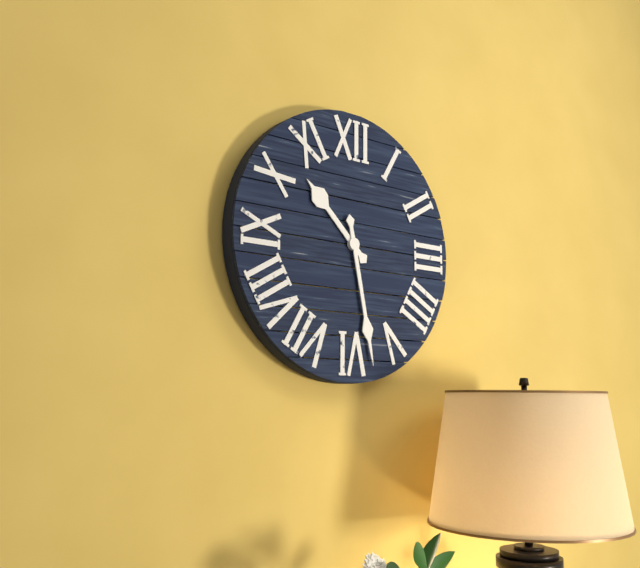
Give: 10h28
